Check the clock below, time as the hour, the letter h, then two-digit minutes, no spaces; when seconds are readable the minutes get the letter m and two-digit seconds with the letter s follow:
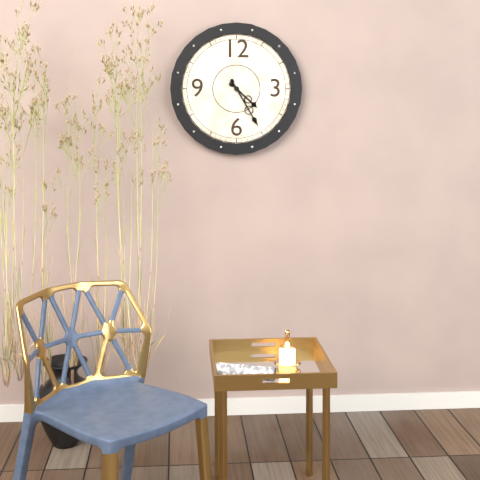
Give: 4h25
